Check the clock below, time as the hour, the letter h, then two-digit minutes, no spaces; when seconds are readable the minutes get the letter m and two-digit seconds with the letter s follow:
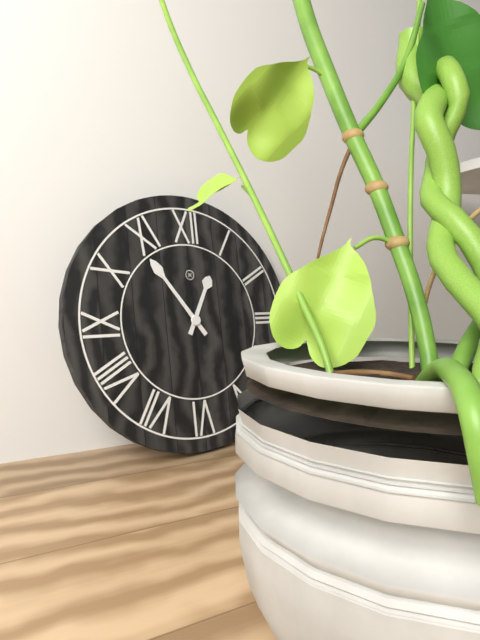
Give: 12h54
